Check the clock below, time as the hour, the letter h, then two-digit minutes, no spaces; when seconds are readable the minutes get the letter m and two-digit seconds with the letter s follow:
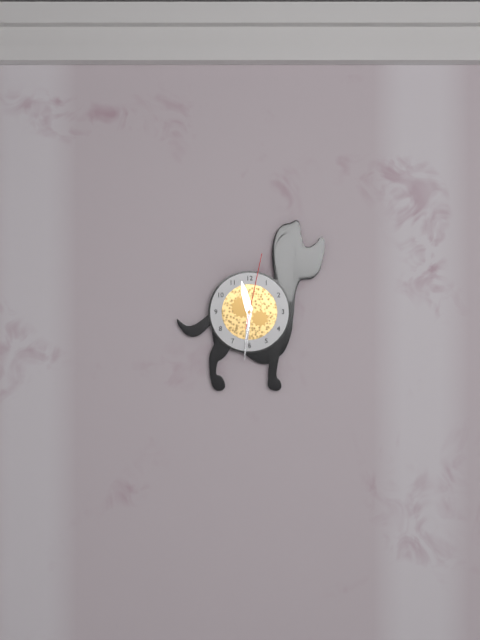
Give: 11h31m02s
